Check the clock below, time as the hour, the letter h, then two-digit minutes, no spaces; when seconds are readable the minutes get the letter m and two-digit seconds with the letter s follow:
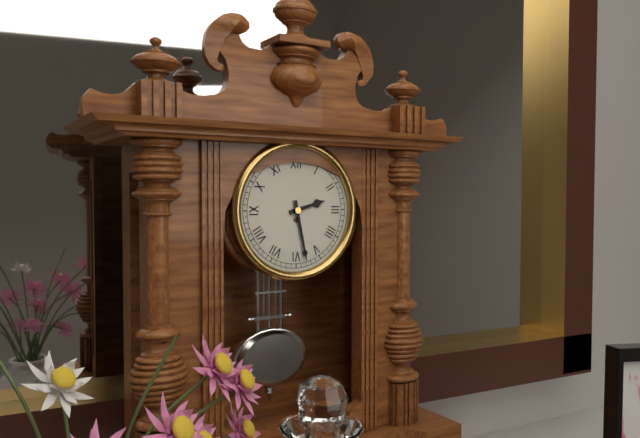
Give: 2h28
